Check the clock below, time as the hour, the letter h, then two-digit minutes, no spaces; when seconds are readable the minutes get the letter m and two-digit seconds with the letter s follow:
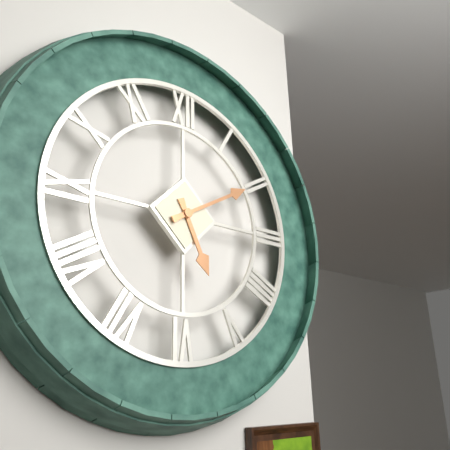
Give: 5h10
